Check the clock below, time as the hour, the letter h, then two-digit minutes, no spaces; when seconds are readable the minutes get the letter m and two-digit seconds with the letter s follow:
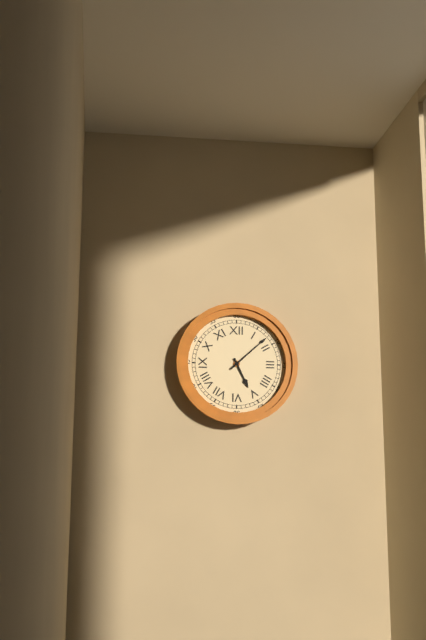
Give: 5h08
